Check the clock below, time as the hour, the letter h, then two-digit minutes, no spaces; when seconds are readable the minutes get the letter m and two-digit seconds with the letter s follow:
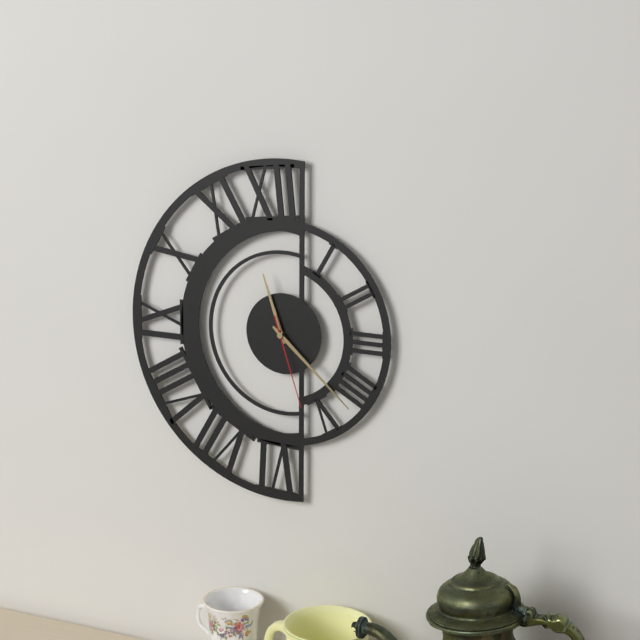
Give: 11h22m27s
